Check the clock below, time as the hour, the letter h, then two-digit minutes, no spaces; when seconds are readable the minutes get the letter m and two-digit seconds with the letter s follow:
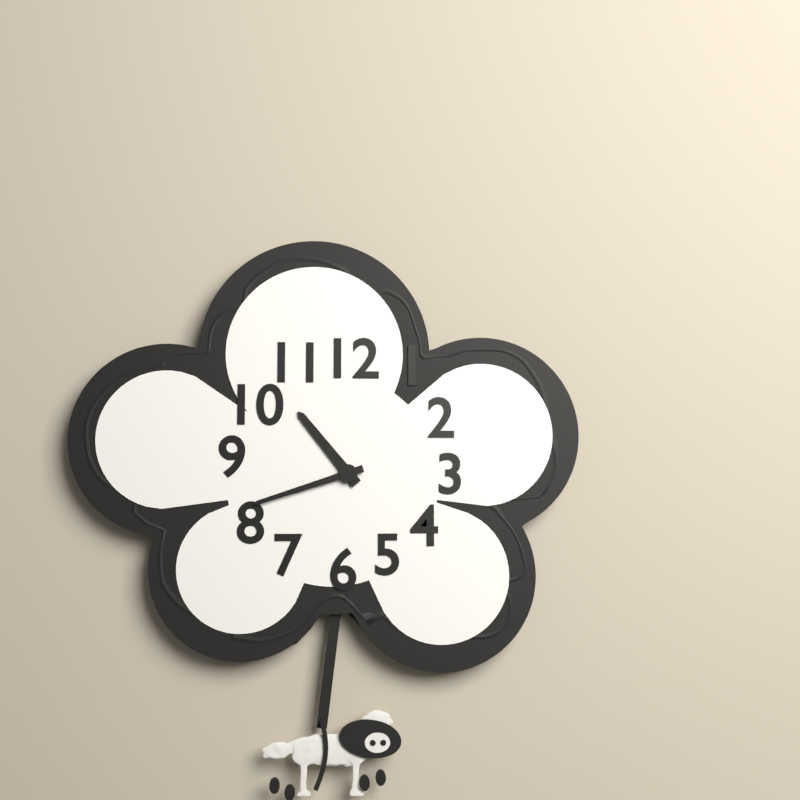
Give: 10h42
